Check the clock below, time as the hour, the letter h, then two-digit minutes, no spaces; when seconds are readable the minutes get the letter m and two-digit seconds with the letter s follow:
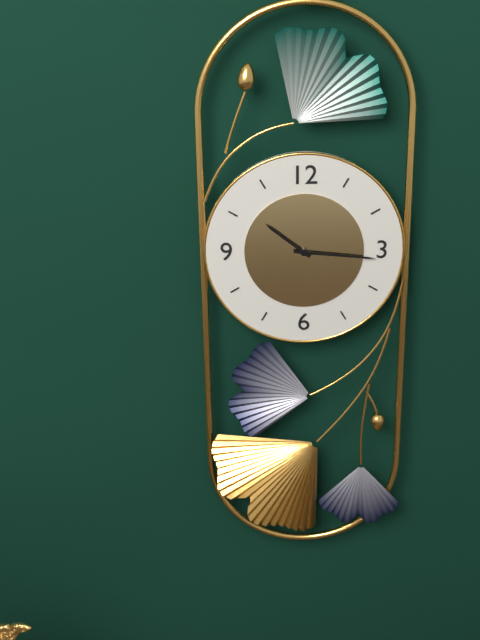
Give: 10h16
